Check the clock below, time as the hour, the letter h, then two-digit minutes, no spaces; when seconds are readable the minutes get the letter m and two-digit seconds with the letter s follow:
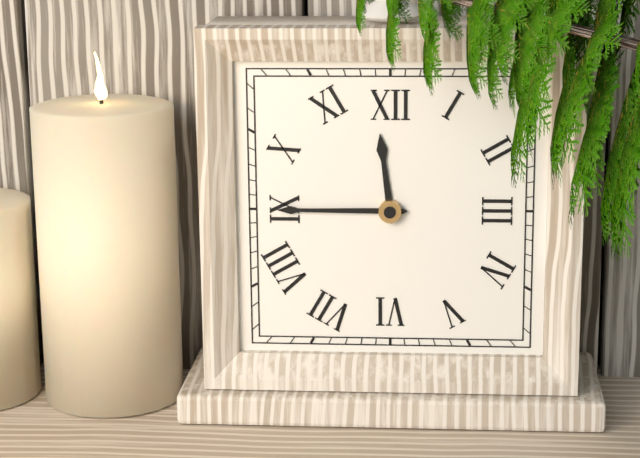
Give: 11h45
